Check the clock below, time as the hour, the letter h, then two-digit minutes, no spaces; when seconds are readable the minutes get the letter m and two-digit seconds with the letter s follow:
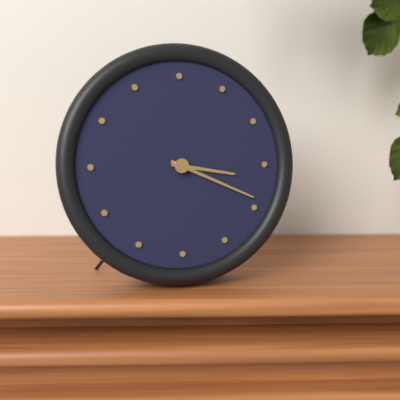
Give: 3h19
